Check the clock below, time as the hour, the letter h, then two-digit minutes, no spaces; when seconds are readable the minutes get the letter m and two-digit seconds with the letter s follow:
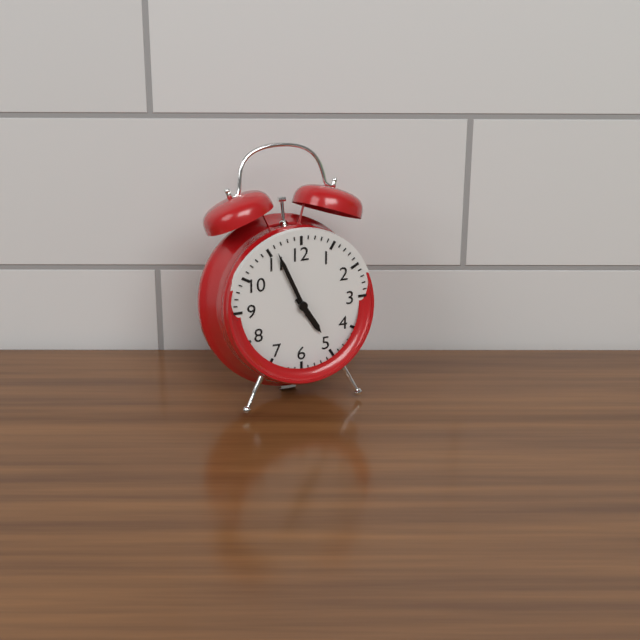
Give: 4h56
